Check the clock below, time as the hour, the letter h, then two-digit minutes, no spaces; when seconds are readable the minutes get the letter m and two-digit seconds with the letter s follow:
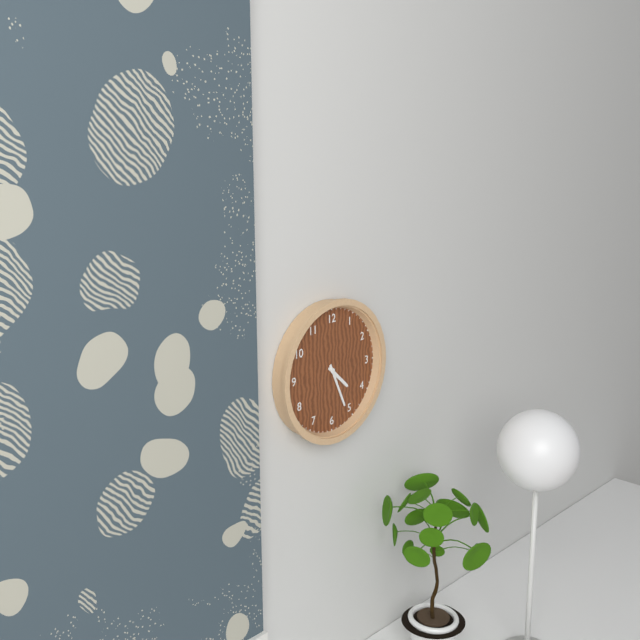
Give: 4h26
